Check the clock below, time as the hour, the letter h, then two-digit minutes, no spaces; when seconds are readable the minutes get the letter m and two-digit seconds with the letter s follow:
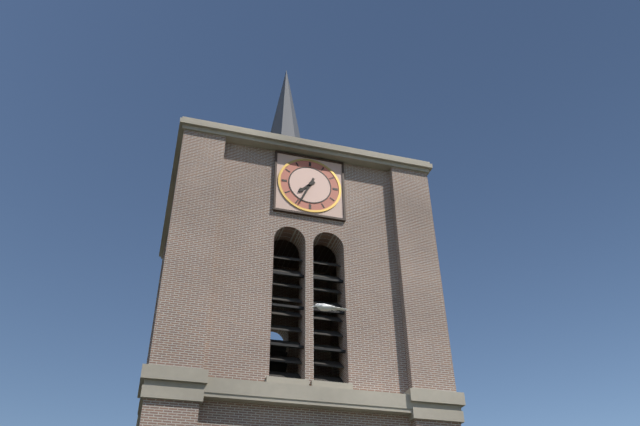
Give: 7h34
